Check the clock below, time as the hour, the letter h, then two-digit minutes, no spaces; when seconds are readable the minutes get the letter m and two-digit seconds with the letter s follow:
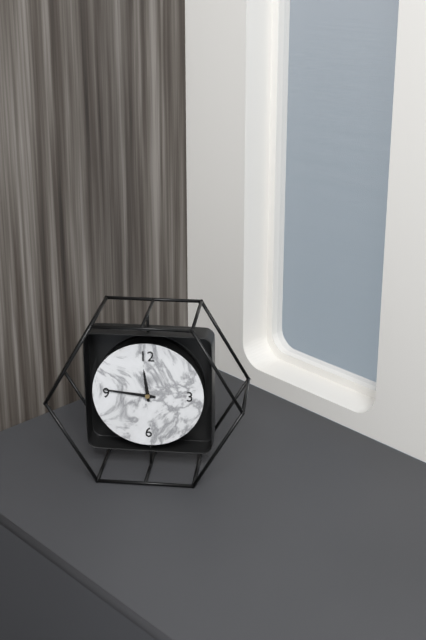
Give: 11h46
